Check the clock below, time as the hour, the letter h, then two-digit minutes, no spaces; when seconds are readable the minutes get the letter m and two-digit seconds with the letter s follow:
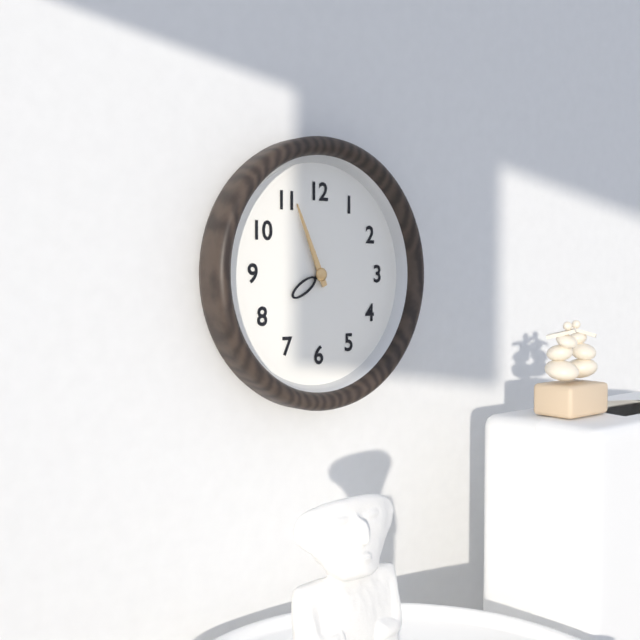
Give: 7h56
